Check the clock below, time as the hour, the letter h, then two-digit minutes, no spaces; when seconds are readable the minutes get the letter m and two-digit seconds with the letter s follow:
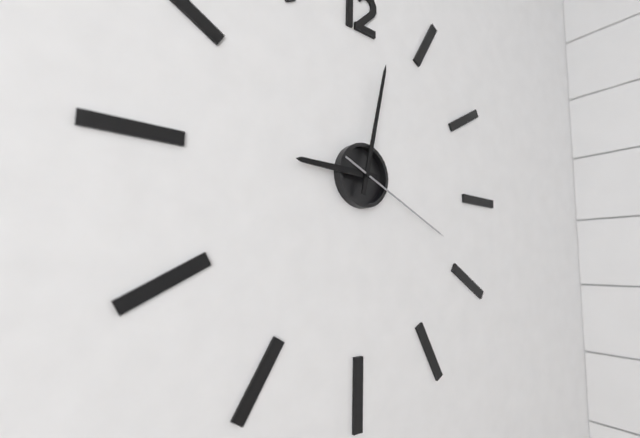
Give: 9h02m19s
